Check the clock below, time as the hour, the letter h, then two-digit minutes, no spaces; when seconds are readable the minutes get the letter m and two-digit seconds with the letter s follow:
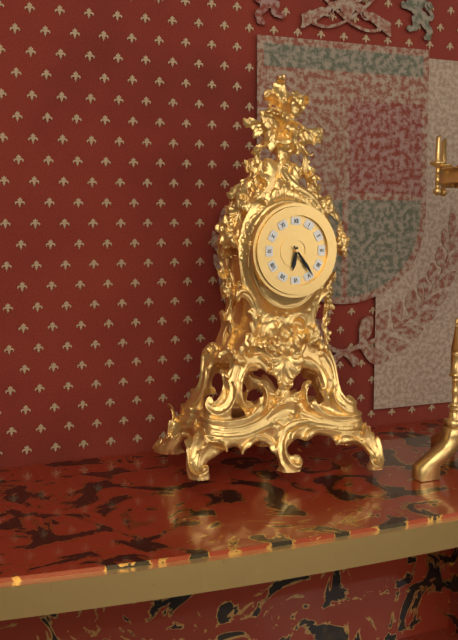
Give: 6h24
